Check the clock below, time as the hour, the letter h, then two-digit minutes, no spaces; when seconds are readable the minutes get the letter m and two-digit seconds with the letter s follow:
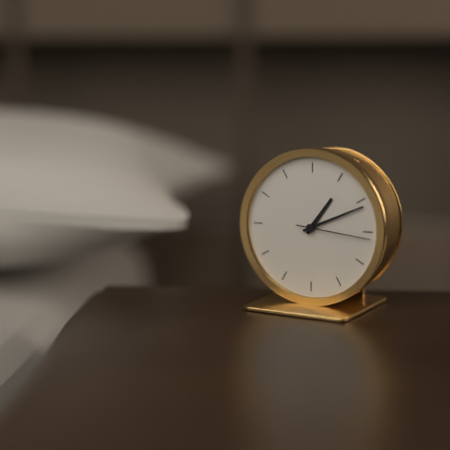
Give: 1h11m16s
